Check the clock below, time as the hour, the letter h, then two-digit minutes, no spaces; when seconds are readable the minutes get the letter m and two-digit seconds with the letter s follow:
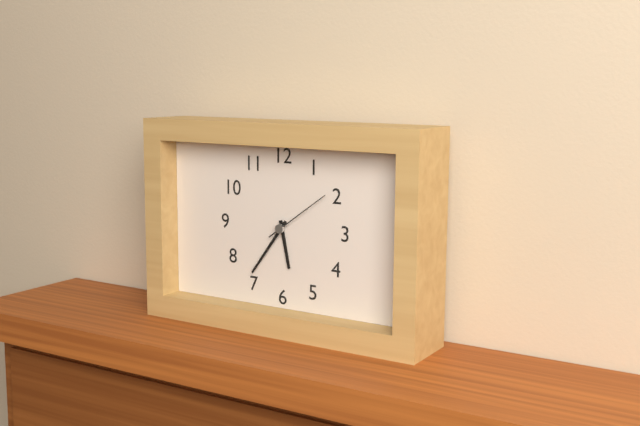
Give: 5h36m09s
